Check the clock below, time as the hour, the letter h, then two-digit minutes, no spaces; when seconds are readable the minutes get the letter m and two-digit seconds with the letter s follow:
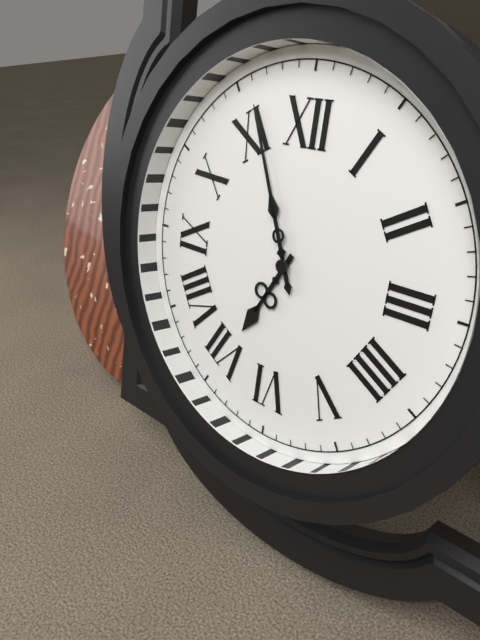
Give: 6h56
